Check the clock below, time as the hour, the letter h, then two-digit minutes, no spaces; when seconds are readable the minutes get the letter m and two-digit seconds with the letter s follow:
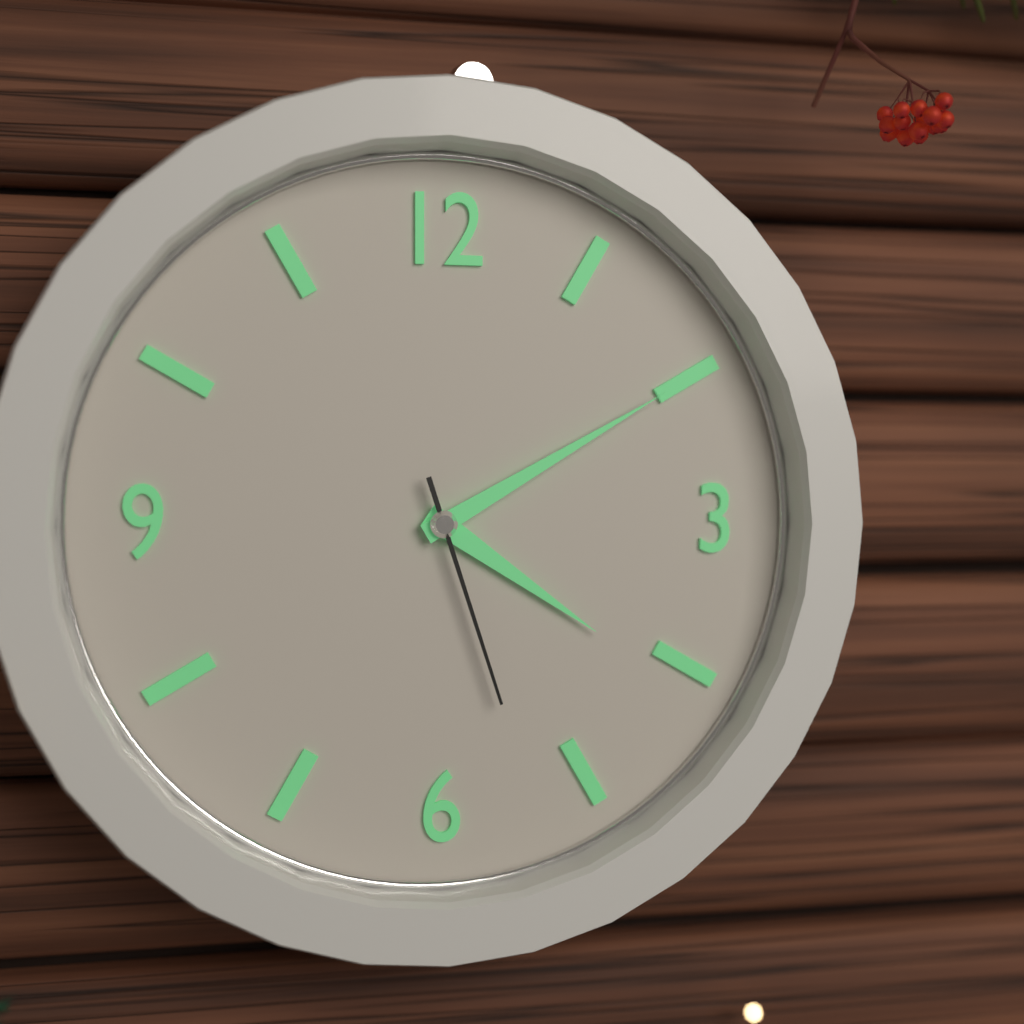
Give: 4h10m27s
